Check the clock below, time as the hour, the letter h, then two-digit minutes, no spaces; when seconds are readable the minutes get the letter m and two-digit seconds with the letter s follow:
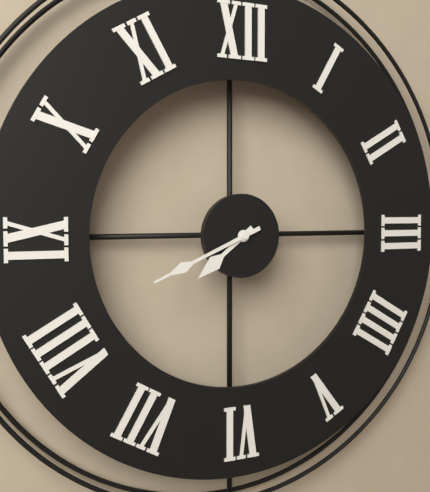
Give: 7h41
